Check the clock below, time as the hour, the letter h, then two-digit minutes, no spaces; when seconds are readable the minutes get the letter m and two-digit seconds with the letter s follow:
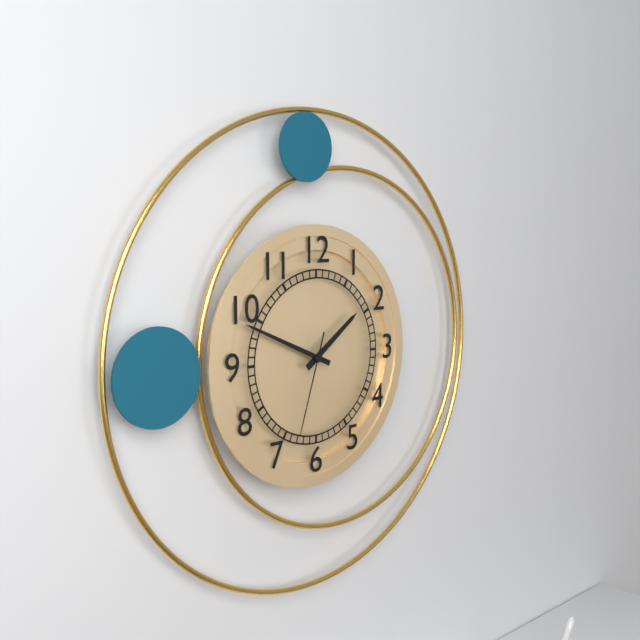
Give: 1h49m33s
